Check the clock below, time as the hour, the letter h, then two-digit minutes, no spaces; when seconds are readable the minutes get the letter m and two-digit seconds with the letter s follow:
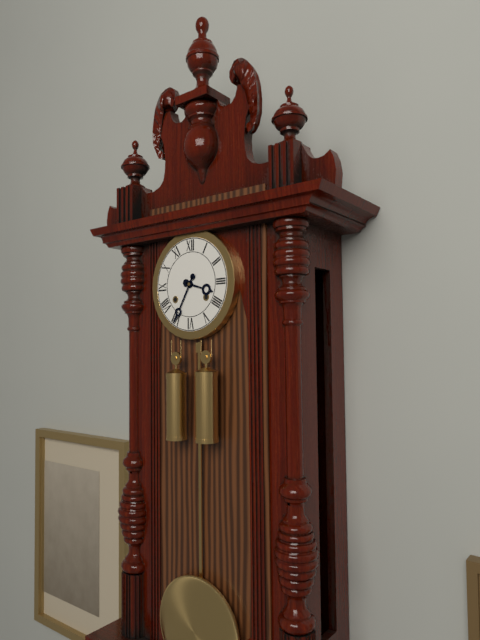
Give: 3h35
